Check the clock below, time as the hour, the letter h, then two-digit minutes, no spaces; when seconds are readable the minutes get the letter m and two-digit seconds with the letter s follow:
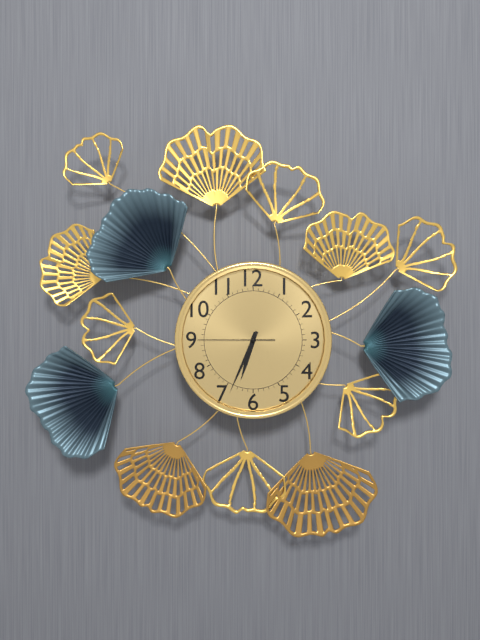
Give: 6h34m45s
